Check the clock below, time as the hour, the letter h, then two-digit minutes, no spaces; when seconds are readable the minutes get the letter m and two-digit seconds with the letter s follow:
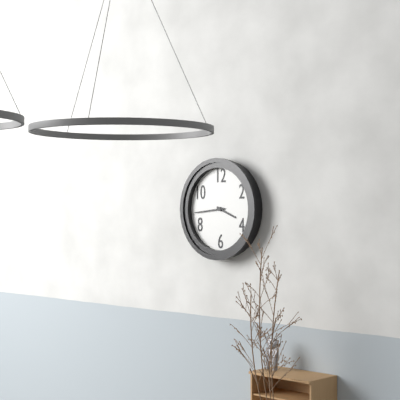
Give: 3h44
